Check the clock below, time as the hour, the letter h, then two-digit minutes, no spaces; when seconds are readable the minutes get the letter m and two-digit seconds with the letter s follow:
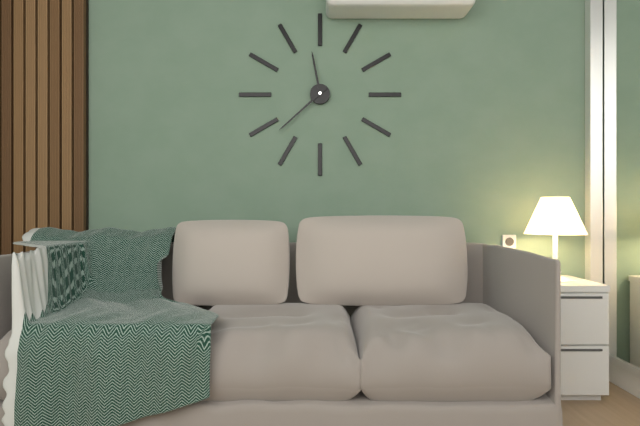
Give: 11h38
